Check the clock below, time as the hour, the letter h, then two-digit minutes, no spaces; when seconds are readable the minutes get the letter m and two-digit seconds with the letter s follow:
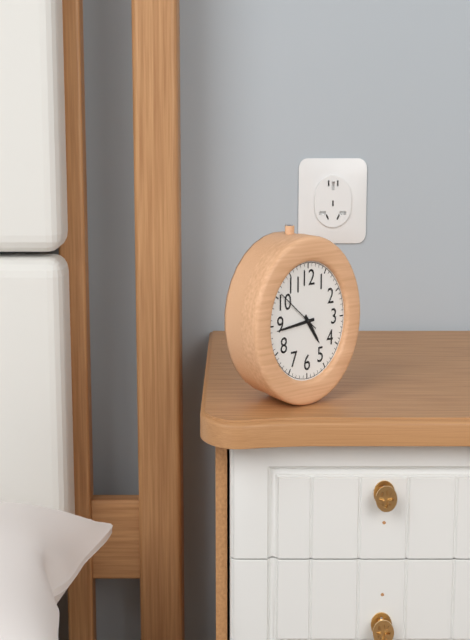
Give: 4h44
